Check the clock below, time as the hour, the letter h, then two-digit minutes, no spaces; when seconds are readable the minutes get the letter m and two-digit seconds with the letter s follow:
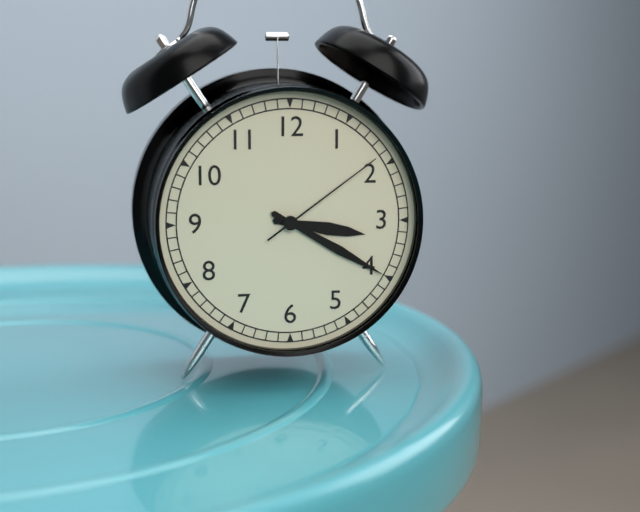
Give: 3h20m09s
